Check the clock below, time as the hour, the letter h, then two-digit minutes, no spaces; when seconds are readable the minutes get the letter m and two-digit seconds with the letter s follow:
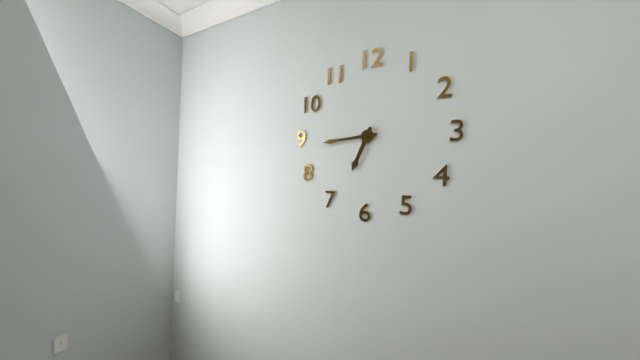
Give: 6h44
